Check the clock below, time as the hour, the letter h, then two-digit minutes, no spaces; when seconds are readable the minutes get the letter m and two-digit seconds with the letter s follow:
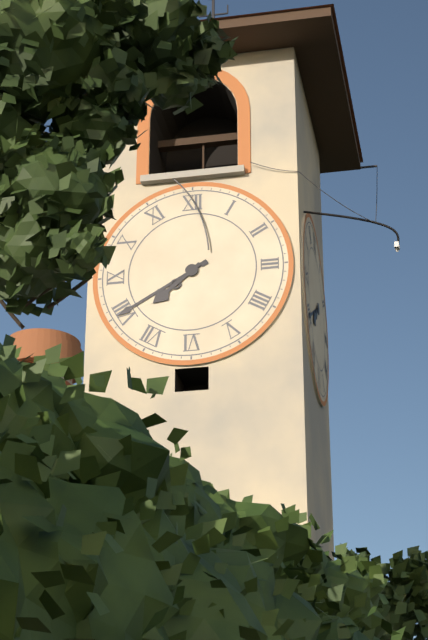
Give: 7h40
